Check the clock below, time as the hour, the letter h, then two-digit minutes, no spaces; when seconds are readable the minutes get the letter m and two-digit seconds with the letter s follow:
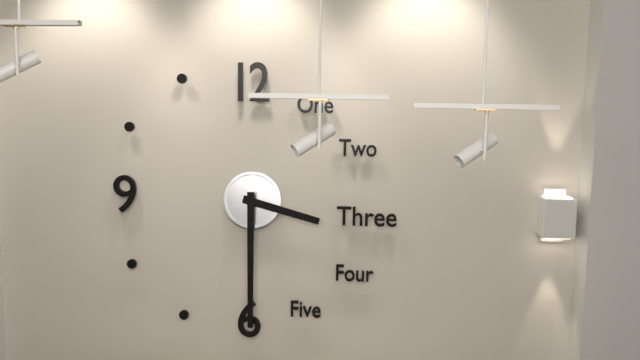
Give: 3h30
